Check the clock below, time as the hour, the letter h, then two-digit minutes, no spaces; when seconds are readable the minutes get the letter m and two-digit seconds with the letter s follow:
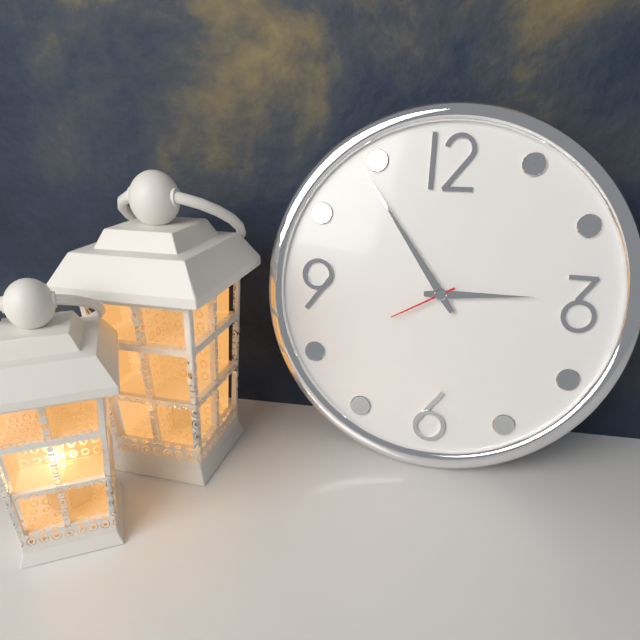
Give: 2h54m40s
